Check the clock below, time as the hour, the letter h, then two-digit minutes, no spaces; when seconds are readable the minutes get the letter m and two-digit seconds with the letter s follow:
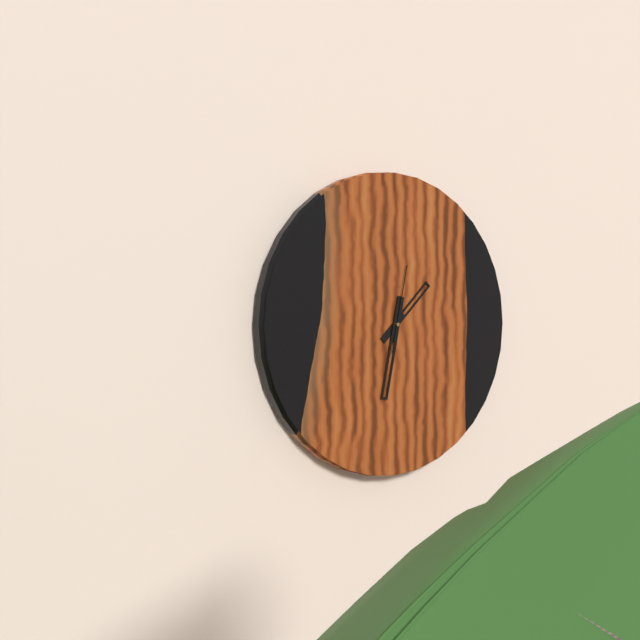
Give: 1h32m02s
